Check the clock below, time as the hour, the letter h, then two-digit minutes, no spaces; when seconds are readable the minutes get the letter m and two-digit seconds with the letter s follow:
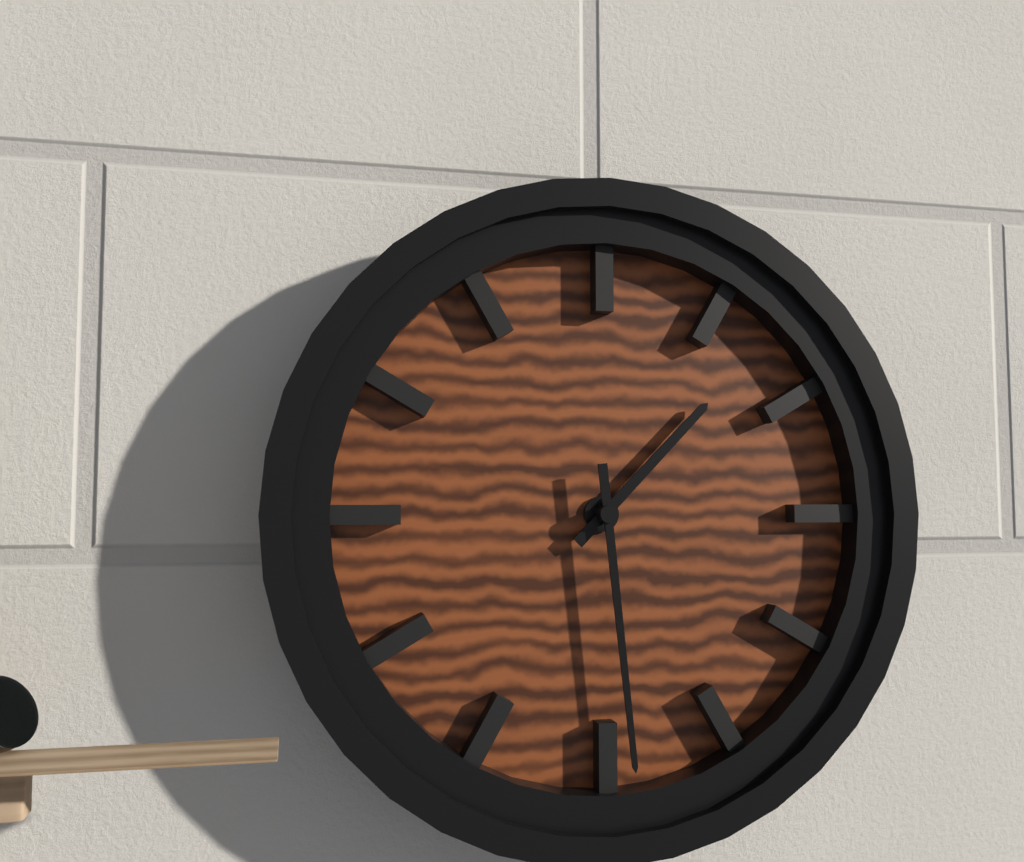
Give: 1h29
